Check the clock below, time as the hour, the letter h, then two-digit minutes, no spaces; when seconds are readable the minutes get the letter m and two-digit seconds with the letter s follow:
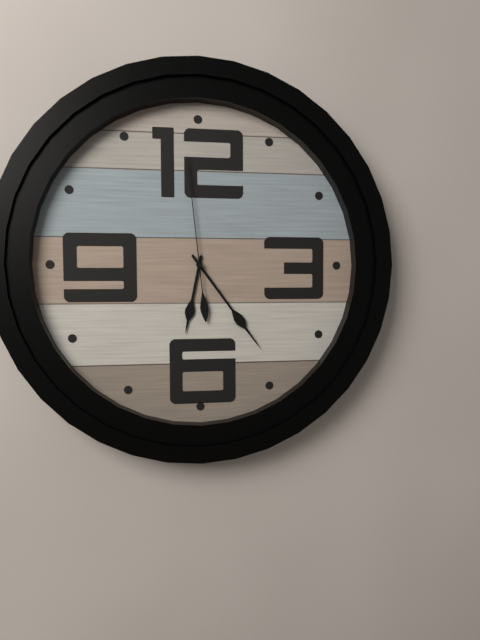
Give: 6h24m59s
